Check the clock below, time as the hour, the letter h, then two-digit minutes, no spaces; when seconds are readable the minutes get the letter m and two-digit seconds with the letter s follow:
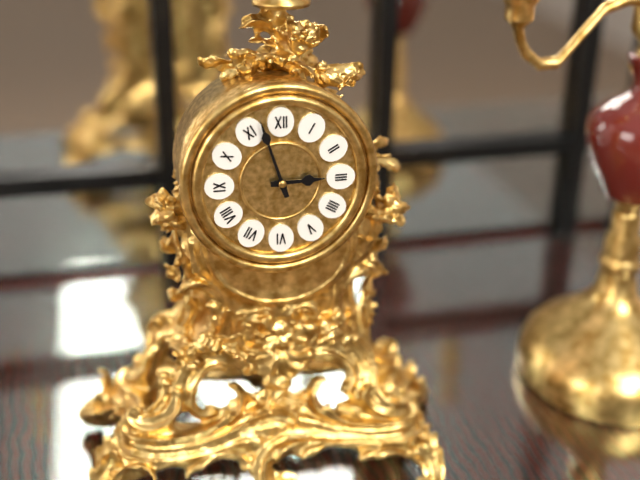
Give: 2h57
